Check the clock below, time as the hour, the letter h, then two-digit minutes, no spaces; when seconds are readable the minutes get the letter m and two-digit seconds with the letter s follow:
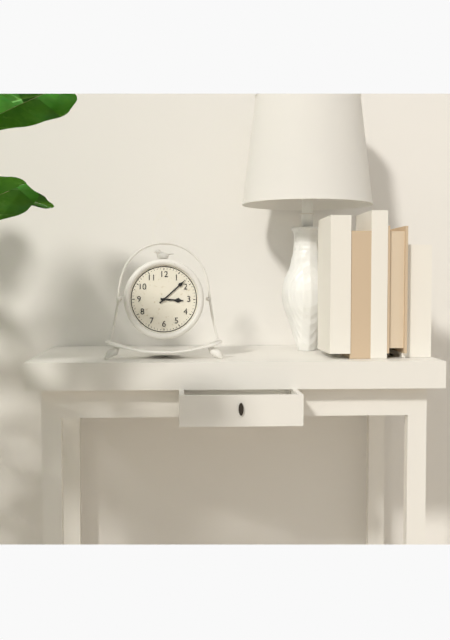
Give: 3h08
